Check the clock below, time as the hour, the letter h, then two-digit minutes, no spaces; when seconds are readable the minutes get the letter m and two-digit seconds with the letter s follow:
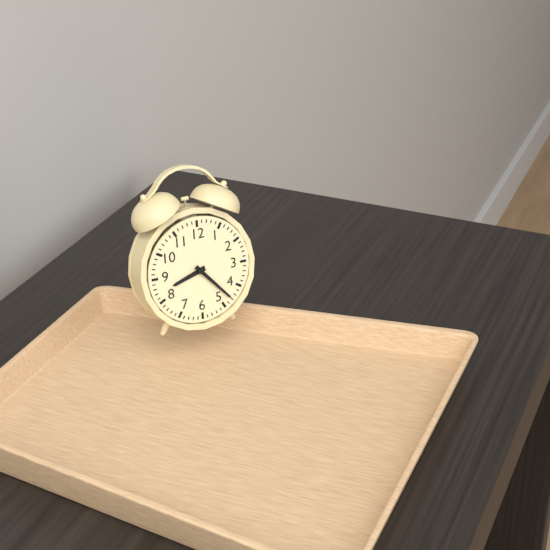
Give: 8h23
